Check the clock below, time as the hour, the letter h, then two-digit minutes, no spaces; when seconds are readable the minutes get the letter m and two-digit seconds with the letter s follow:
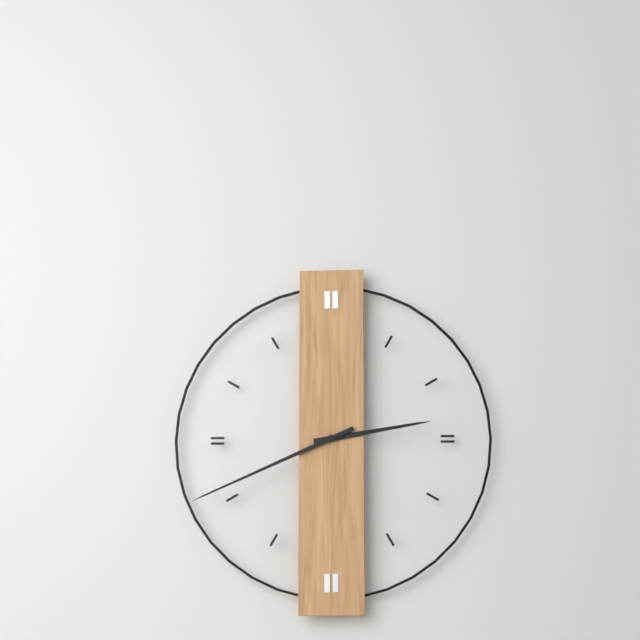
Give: 2h41
